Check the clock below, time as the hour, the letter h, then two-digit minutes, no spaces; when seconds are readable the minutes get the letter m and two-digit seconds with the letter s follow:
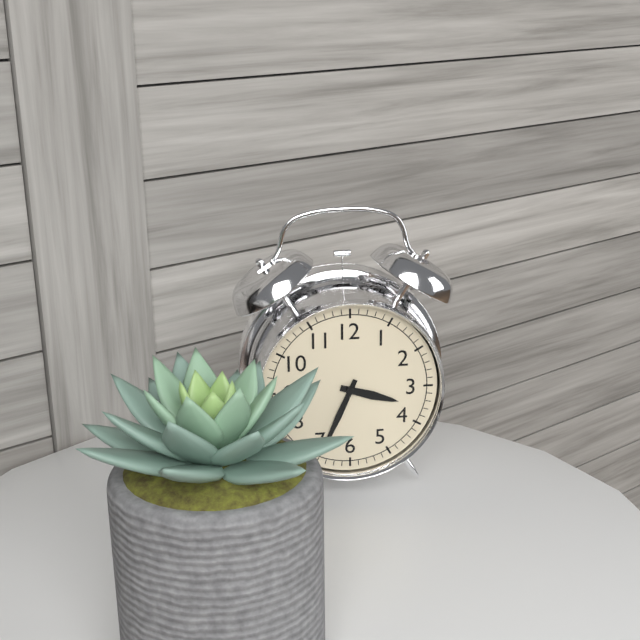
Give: 3h34
